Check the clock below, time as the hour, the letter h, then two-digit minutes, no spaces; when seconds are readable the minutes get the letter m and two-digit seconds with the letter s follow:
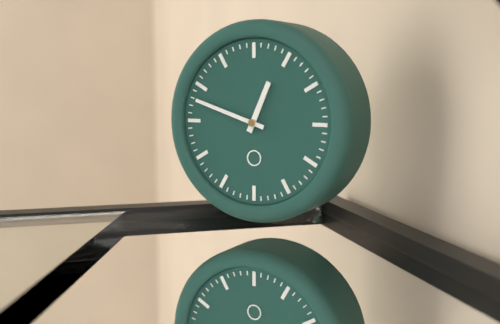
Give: 12h48
